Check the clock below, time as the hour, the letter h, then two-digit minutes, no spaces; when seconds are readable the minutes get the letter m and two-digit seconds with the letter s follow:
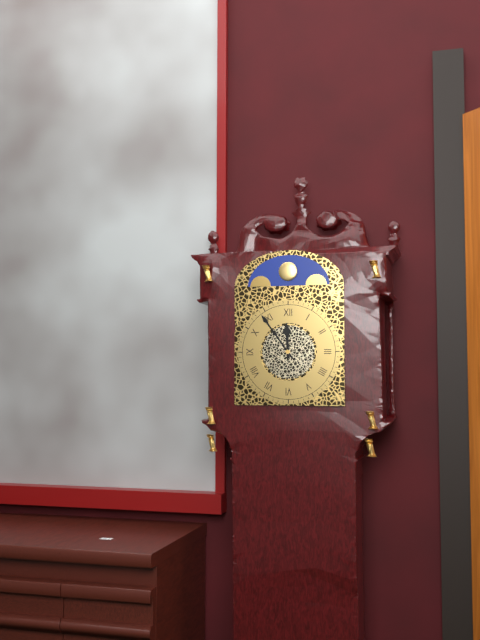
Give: 11h54
